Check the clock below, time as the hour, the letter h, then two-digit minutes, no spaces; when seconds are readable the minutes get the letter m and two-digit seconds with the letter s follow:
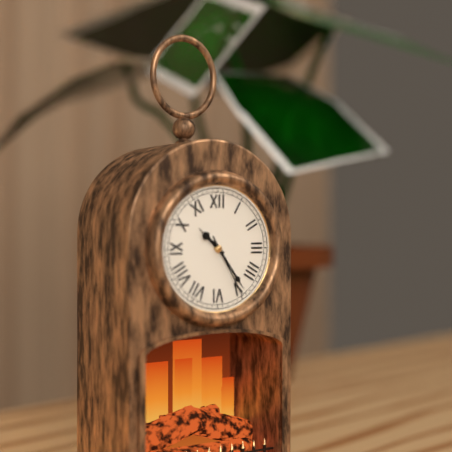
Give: 10h24m25s
